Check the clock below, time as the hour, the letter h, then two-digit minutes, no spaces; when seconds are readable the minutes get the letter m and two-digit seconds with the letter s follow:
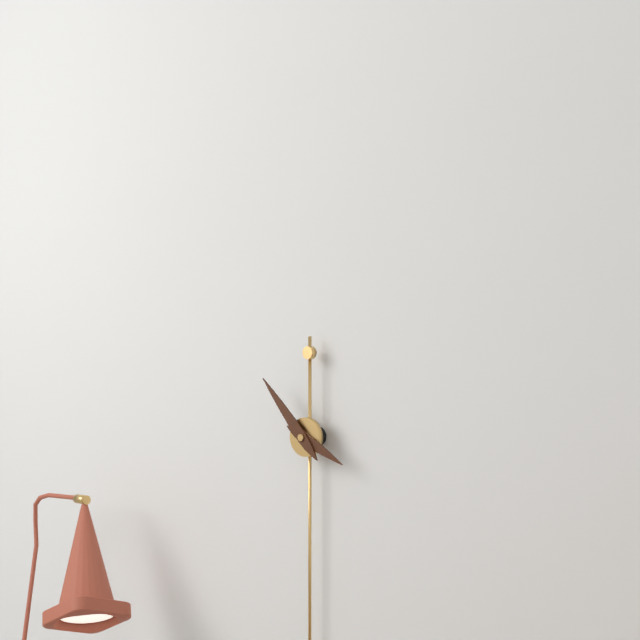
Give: 3h53
